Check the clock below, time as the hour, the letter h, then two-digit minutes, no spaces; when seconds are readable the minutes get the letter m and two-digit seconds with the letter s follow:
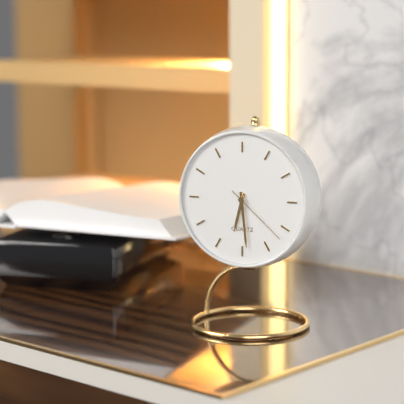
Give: 6h29m22s
